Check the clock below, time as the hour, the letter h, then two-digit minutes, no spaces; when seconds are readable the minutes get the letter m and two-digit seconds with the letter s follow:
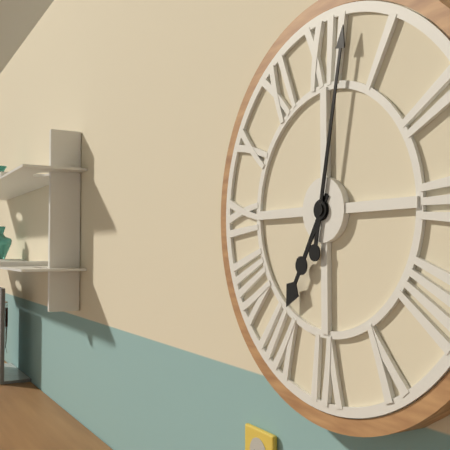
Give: 7h02
